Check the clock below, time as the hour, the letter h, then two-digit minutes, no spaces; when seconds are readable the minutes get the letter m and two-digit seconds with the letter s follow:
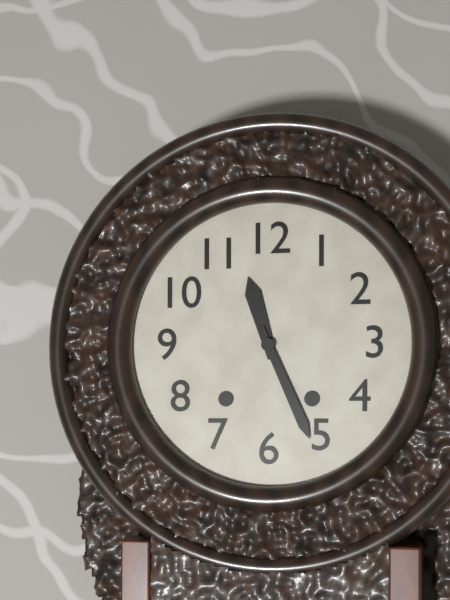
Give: 11h26
